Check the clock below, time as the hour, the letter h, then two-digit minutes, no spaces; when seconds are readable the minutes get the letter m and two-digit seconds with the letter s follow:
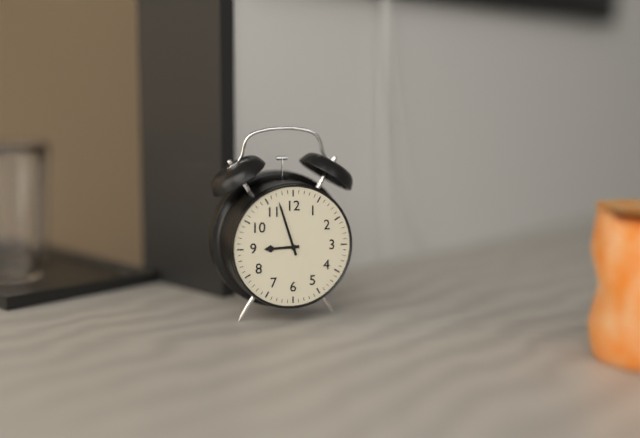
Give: 8h57
